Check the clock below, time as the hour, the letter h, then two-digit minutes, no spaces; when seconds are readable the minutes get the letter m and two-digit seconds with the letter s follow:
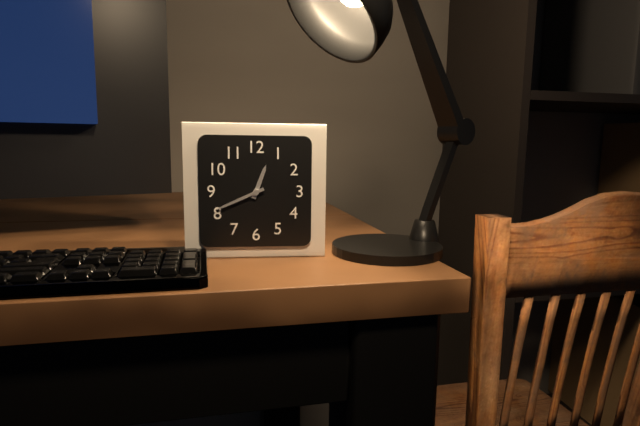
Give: 12h41
